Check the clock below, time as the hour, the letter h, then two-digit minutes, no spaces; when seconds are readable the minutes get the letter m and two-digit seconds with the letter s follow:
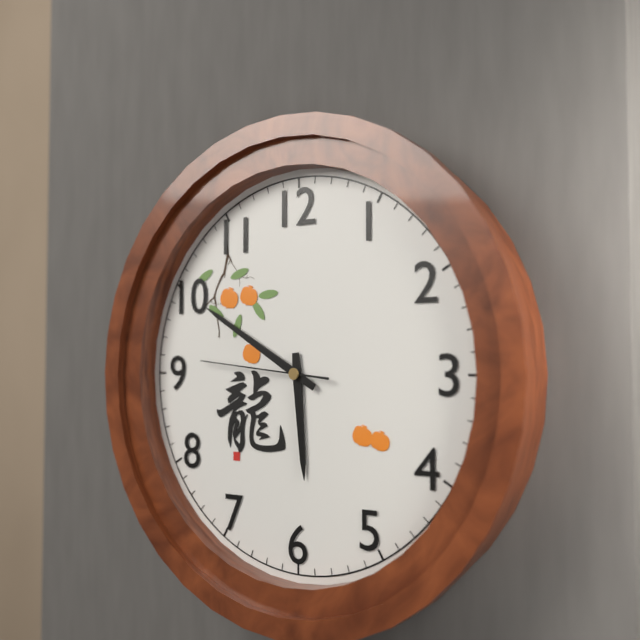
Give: 5h50m46s
